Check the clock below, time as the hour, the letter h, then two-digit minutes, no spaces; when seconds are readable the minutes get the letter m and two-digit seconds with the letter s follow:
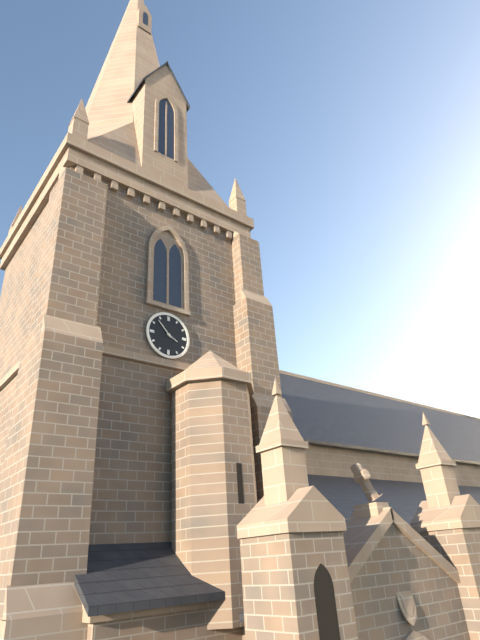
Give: 3h53
